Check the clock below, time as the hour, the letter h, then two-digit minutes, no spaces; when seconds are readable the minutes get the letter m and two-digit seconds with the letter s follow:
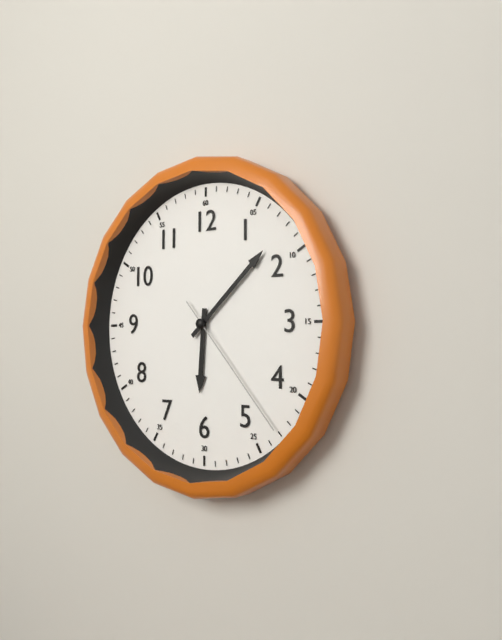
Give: 6h08m23s
